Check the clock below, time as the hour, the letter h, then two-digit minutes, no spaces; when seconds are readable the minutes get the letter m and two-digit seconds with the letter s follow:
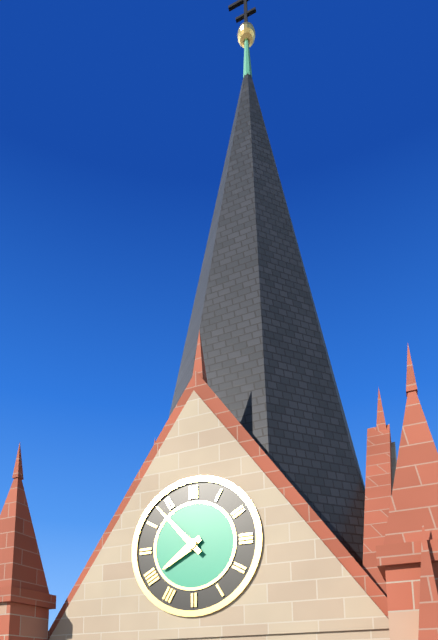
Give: 7h53
